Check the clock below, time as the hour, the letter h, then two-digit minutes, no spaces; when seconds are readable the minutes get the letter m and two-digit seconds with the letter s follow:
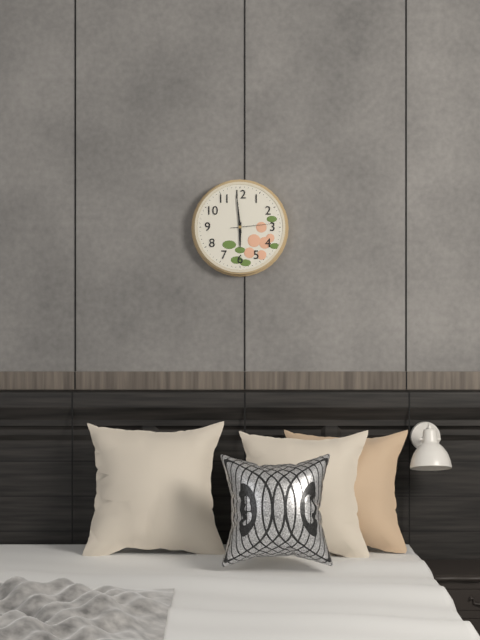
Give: 5h59
